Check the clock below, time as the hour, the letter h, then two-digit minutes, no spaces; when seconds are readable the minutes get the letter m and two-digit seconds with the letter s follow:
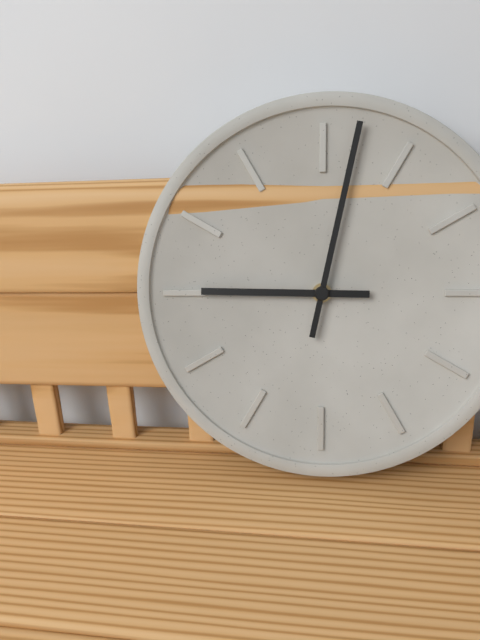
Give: 9h02
